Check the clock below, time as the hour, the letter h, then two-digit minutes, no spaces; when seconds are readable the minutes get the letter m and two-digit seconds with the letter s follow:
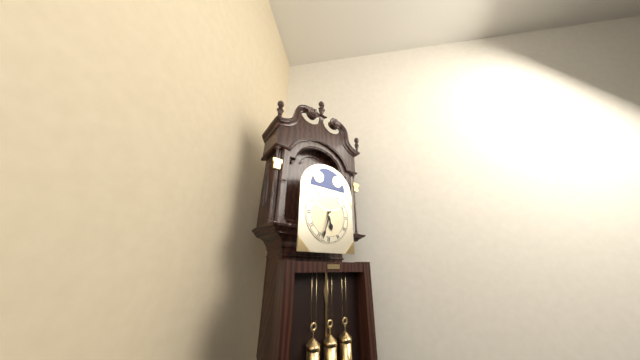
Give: 5h33
